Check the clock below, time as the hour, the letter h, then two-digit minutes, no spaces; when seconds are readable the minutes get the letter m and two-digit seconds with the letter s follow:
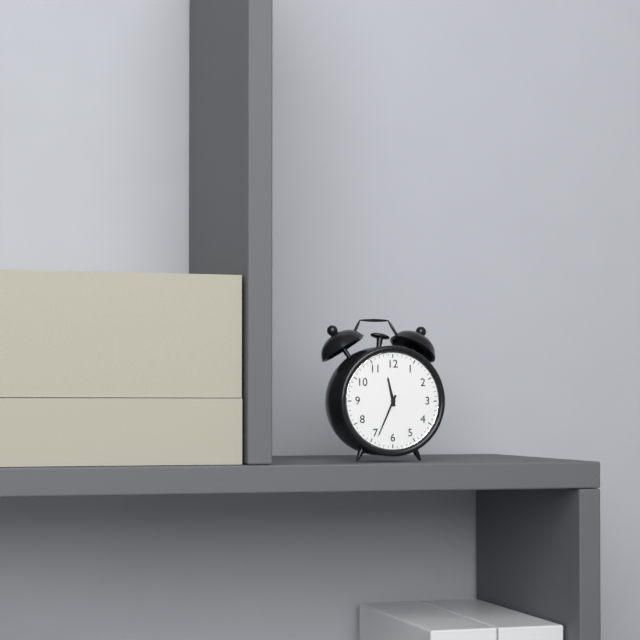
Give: 11h34
